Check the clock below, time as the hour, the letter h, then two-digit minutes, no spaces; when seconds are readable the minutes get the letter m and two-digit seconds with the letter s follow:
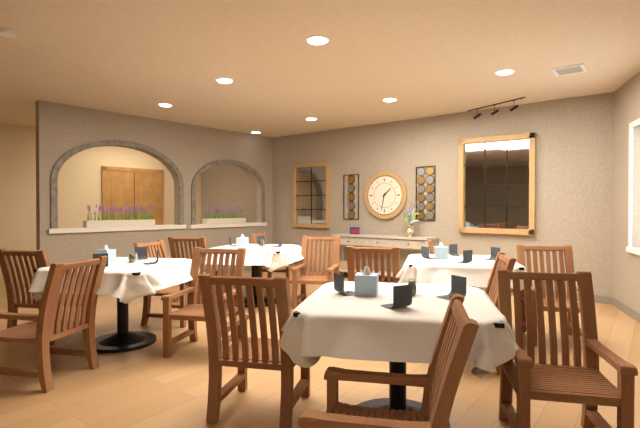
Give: 1h32
